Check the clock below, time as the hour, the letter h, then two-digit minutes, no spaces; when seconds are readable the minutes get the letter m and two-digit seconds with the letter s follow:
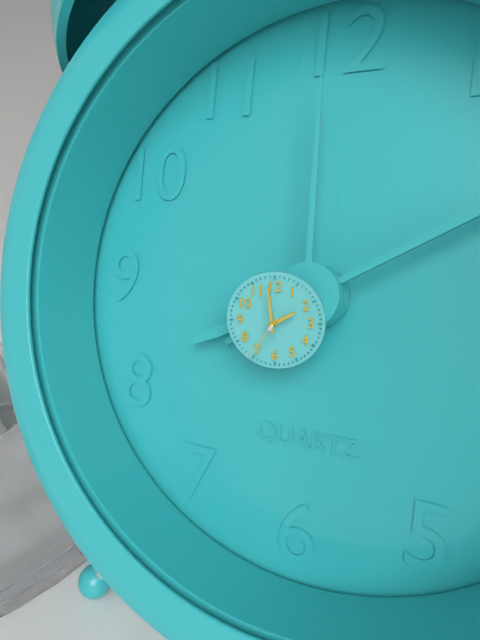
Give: 1h59m36s
